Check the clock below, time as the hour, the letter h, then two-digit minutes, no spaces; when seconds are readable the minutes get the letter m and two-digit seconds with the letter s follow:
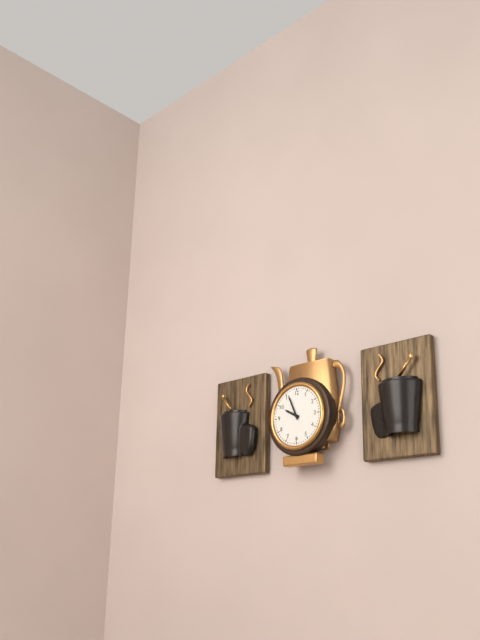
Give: 9h56
